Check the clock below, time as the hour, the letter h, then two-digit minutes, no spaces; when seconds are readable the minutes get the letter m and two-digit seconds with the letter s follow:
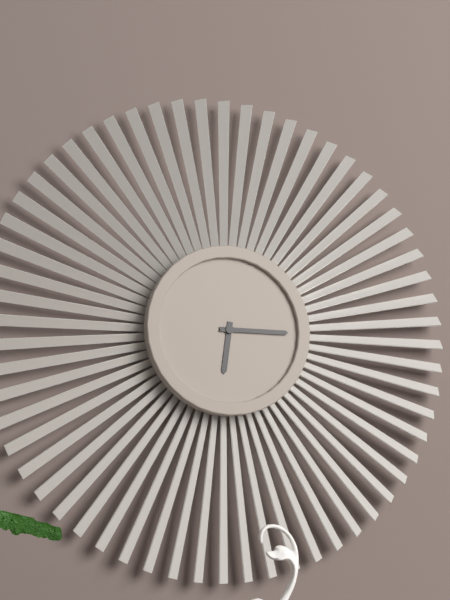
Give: 6h15
